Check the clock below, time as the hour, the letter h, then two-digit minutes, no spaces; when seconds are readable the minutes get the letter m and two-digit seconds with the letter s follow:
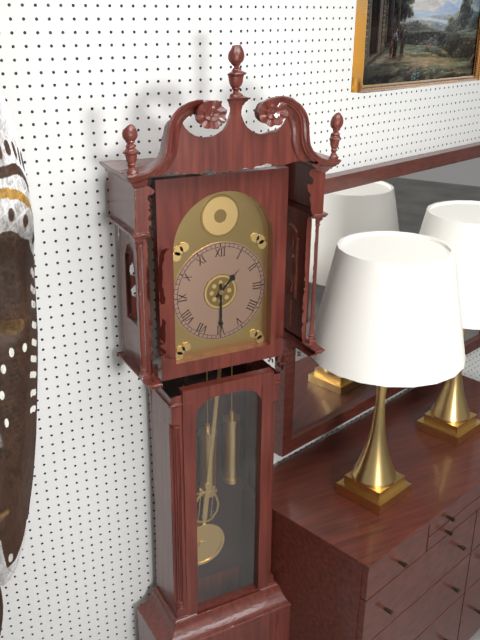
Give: 1h30
